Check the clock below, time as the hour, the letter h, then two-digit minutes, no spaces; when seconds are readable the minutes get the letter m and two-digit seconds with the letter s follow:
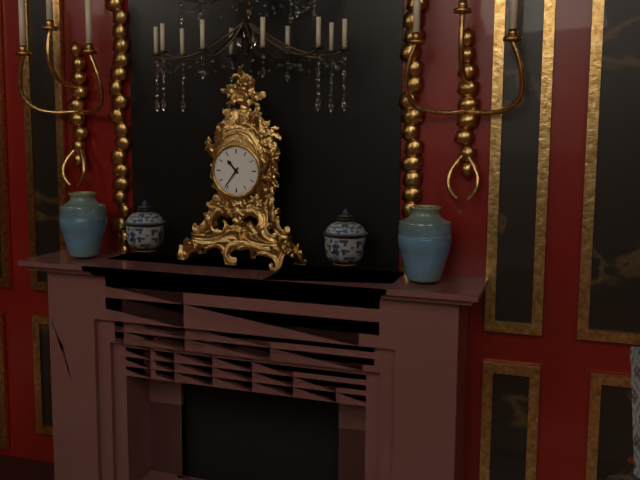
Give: 10h36
